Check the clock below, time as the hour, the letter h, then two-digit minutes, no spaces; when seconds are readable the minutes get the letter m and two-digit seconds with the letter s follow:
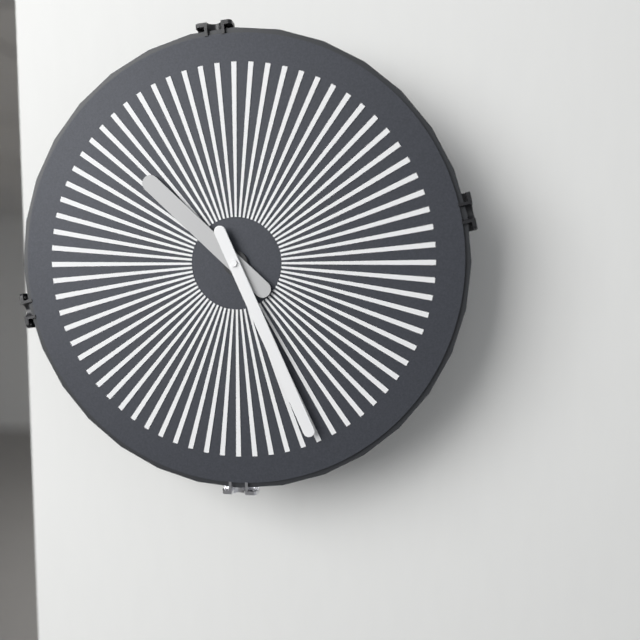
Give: 10h26
